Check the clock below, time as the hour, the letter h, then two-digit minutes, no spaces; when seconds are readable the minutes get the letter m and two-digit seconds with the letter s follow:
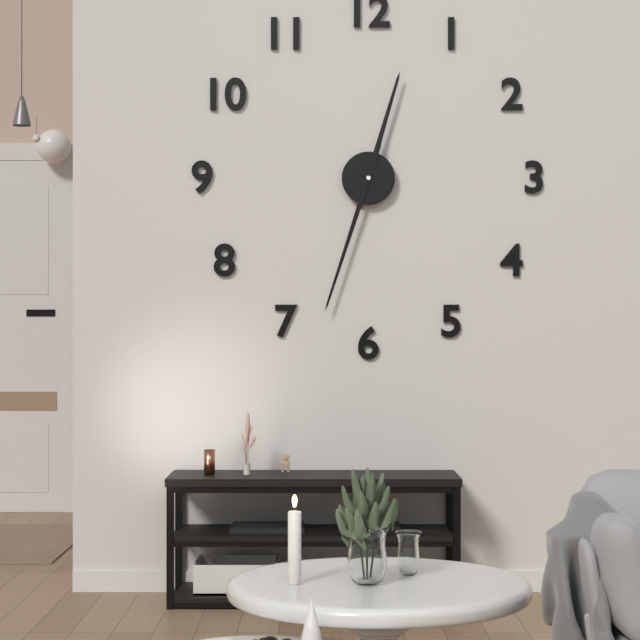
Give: 12h33
